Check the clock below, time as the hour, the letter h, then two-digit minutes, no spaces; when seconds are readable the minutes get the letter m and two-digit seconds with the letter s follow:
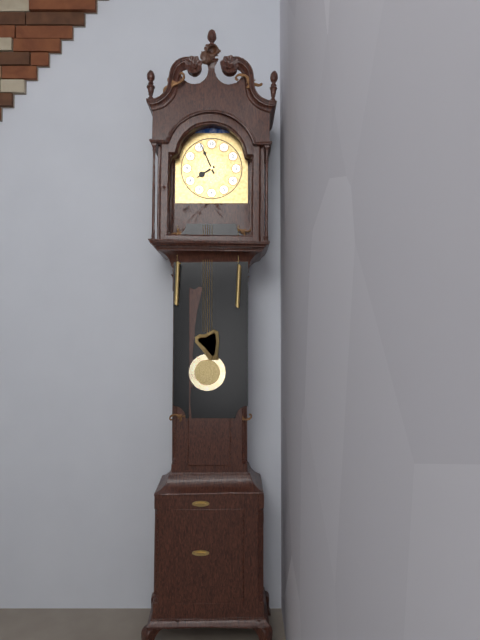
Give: 7h56
